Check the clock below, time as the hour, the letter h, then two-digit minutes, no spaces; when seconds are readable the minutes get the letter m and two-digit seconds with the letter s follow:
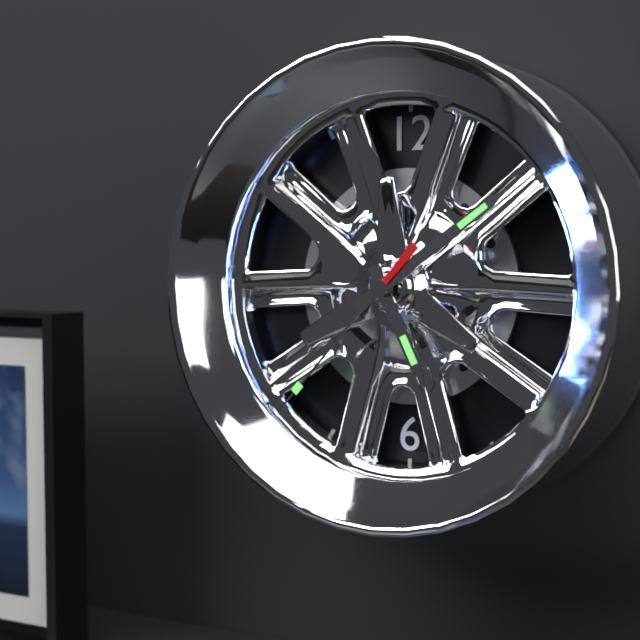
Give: 5h09m37s
